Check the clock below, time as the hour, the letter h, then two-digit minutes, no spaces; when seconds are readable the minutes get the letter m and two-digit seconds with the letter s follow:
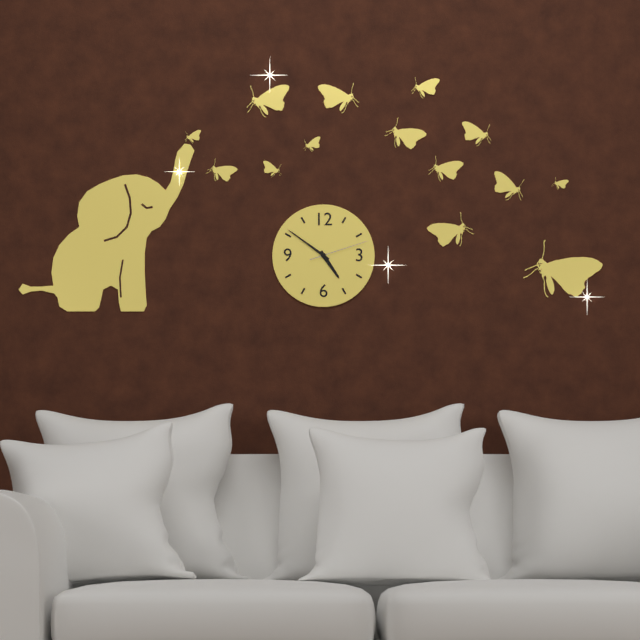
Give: 4h51m12s
